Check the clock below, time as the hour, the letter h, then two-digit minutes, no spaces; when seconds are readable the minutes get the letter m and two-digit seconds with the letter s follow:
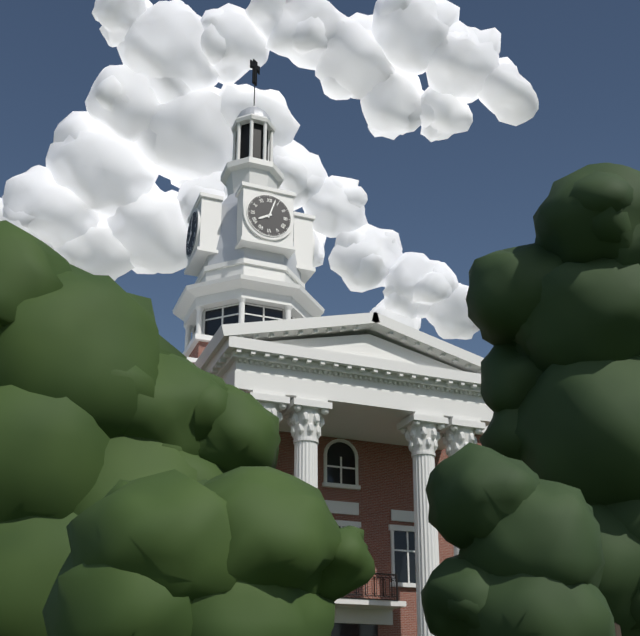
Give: 8h03
